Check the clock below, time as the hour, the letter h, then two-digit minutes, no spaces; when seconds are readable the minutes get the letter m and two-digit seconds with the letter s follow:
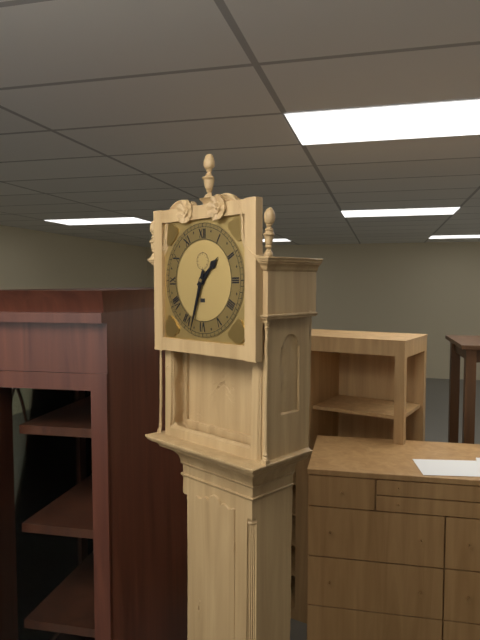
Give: 1h33
